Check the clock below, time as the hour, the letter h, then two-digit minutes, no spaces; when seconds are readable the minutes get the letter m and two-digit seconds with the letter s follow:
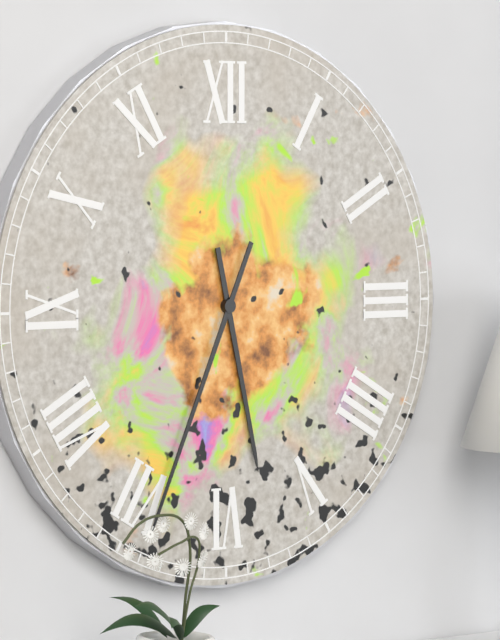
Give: 5h34
